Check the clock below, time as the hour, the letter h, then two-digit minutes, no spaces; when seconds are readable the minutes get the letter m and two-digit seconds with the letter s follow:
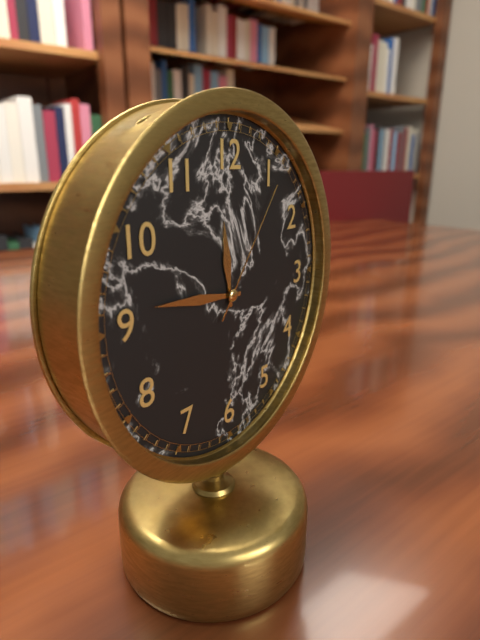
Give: 11h46m06s
